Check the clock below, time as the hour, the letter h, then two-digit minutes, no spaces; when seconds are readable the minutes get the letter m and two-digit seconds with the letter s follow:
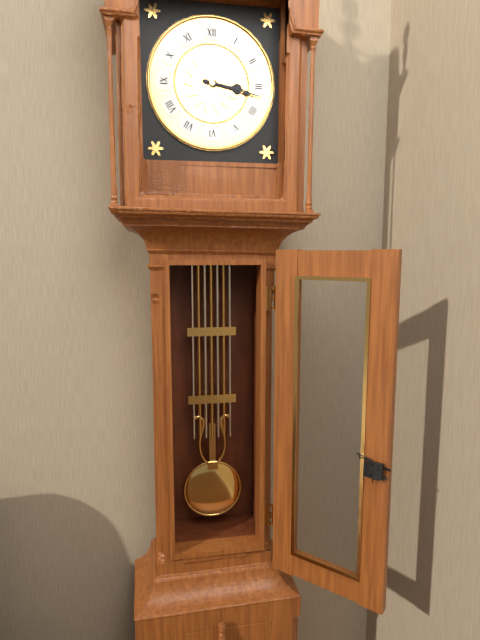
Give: 3h17
